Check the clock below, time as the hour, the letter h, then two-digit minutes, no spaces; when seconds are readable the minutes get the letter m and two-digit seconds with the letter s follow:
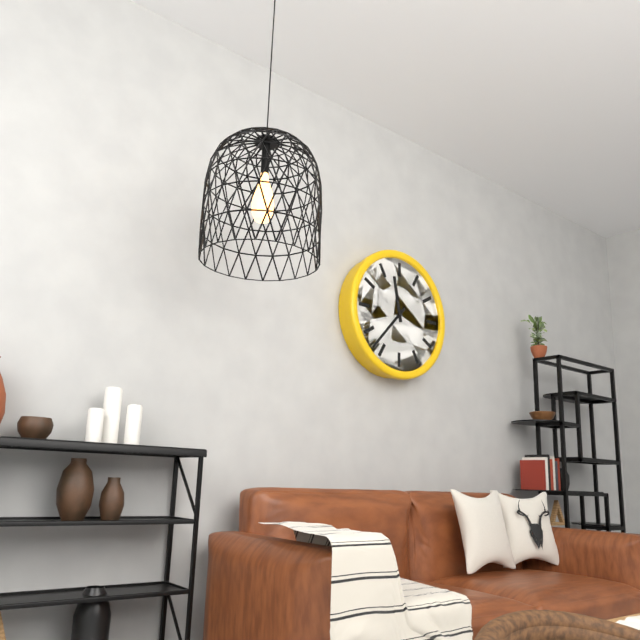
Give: 11h37
